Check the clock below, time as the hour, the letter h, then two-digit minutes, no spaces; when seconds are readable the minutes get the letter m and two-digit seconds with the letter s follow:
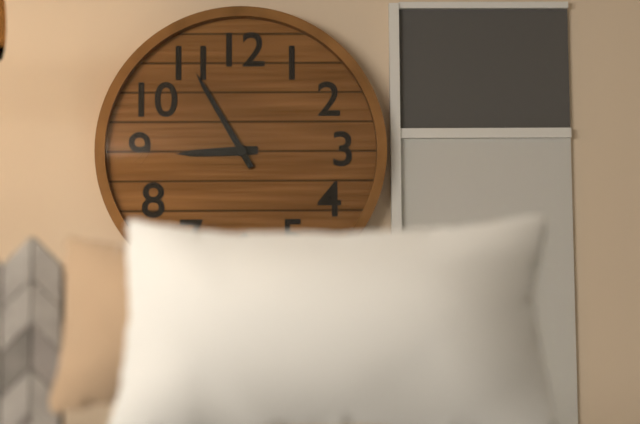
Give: 8h55
